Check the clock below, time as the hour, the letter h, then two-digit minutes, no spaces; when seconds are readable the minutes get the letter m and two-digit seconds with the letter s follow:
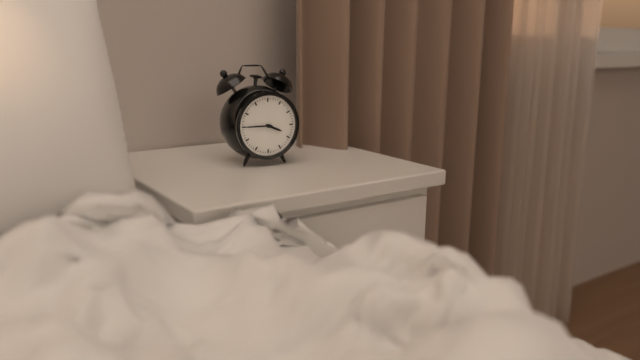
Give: 3h45
